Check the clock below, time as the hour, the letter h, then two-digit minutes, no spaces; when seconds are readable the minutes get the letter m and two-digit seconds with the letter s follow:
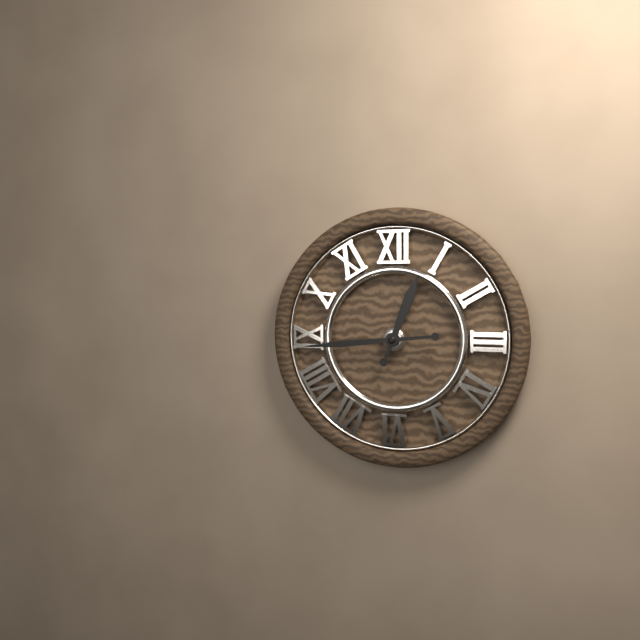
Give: 12h44
